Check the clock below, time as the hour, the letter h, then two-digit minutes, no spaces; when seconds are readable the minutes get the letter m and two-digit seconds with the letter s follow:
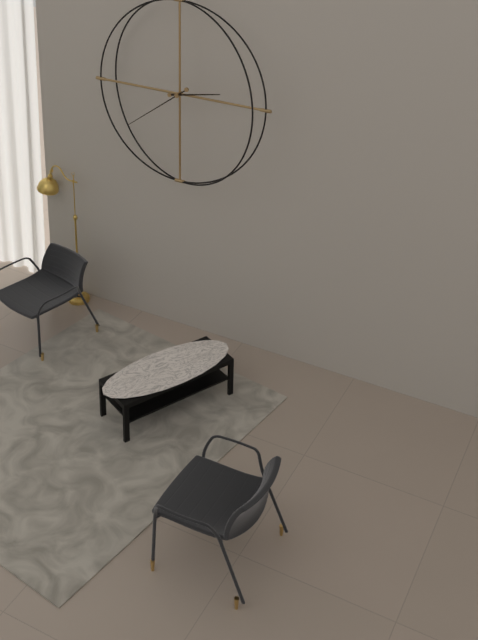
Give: 2h39
